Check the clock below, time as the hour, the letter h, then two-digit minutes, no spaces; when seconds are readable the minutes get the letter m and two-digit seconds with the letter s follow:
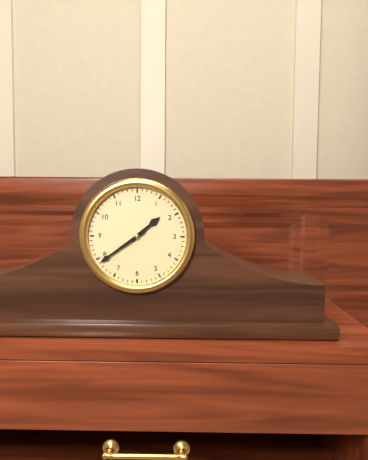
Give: 1h39
